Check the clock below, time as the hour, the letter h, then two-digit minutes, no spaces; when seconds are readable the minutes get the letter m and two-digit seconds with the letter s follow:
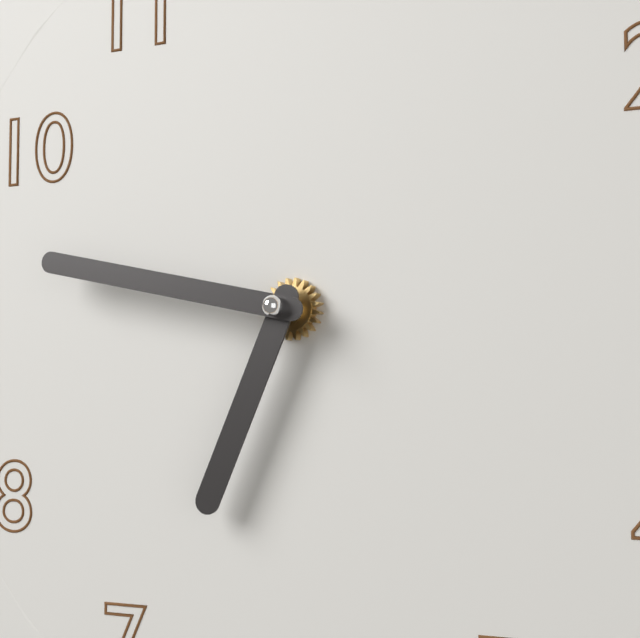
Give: 6h47
